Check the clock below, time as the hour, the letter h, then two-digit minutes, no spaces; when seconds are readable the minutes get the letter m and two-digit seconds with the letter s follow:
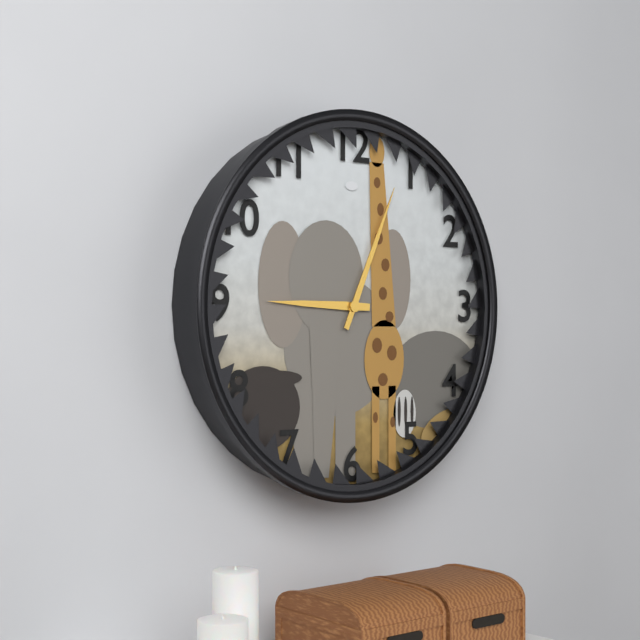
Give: 9h04
